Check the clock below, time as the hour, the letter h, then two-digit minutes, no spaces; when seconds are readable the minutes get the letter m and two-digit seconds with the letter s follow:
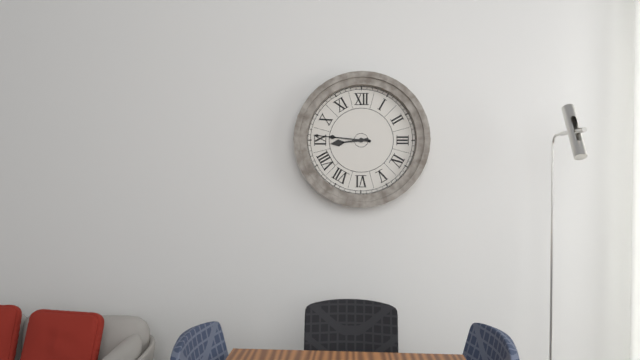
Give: 8h46
